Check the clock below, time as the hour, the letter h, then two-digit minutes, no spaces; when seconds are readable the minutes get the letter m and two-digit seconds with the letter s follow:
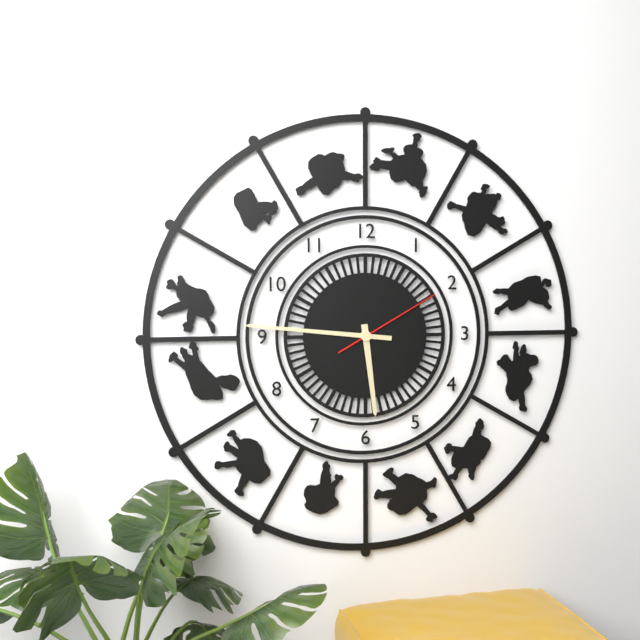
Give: 5h46m10s
